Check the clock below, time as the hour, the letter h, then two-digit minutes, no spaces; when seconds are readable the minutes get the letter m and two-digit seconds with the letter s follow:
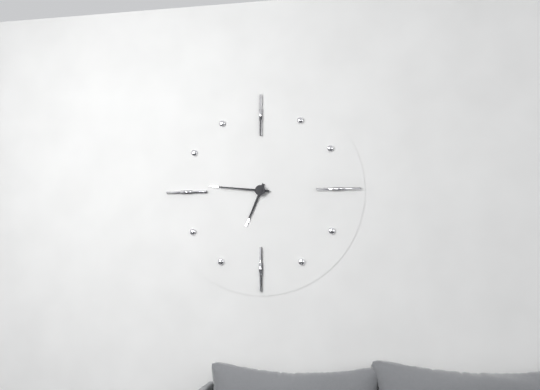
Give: 6h46
